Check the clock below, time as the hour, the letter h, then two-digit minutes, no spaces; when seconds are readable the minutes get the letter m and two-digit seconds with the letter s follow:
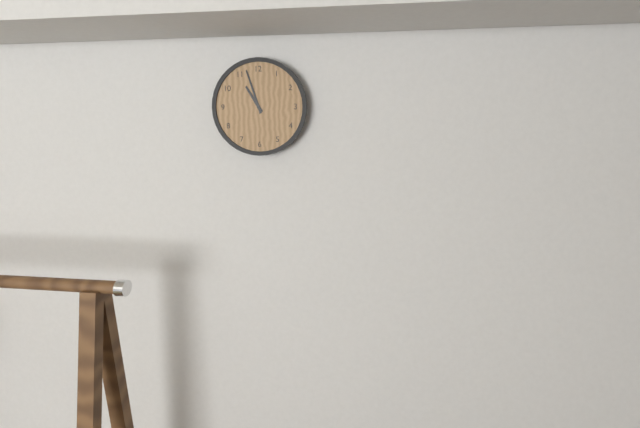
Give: 10h57
